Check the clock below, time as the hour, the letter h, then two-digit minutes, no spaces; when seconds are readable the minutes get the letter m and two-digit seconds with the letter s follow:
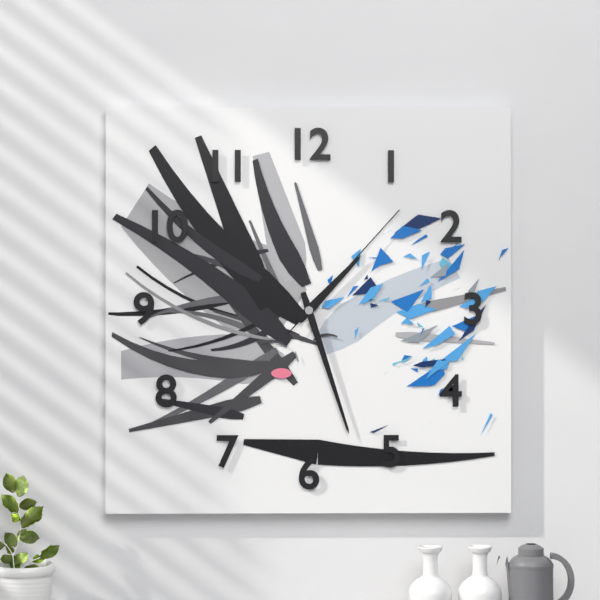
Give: 1h27m07s
